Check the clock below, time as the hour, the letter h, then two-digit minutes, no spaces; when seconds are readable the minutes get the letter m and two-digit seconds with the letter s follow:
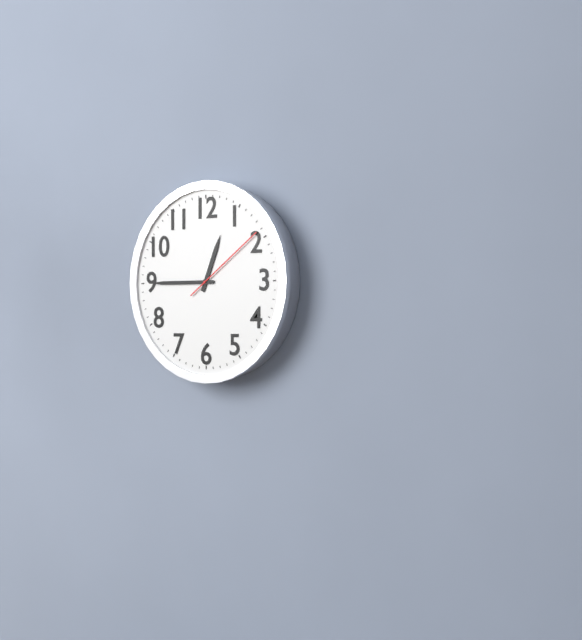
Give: 12h45m09s
